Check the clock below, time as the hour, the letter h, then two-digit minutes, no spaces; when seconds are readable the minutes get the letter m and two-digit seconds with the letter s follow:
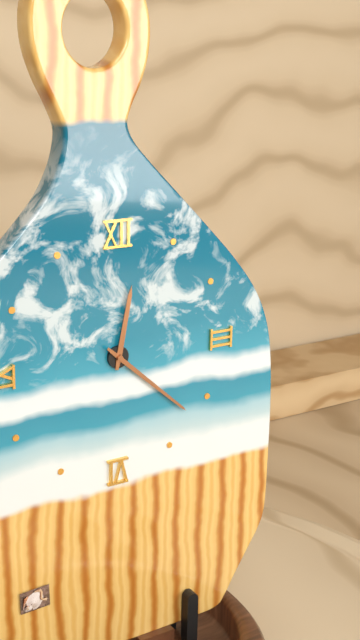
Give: 12h22
